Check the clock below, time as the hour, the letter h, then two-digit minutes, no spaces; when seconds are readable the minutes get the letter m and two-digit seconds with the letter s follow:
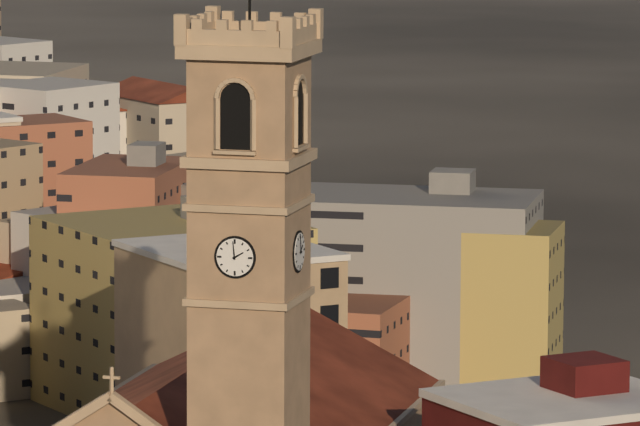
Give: 1h59
